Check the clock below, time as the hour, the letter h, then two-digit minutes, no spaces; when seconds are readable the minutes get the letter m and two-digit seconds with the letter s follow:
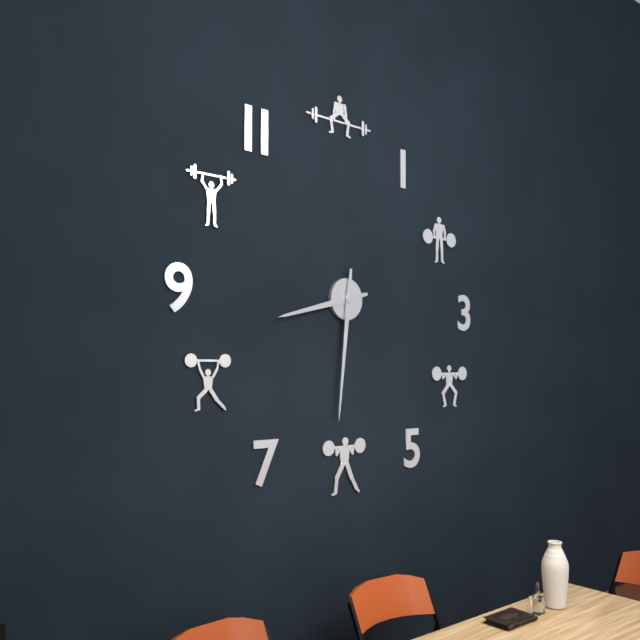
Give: 8h31
